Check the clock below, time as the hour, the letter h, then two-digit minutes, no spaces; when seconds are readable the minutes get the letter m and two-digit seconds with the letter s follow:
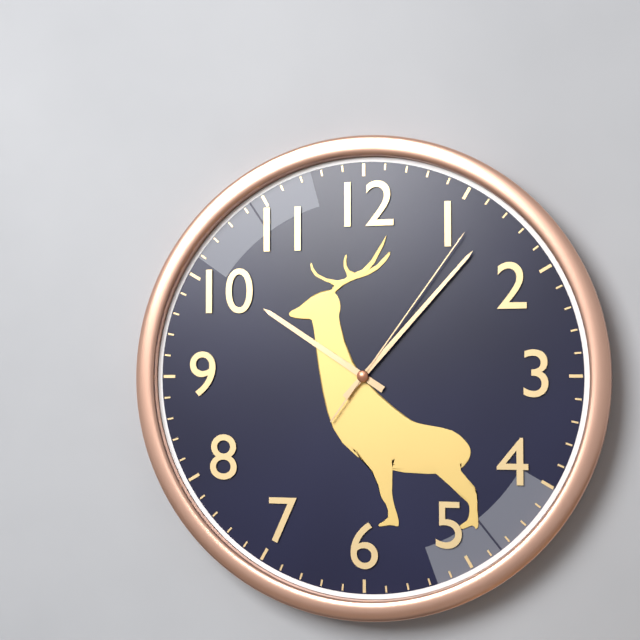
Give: 10h07m06s
